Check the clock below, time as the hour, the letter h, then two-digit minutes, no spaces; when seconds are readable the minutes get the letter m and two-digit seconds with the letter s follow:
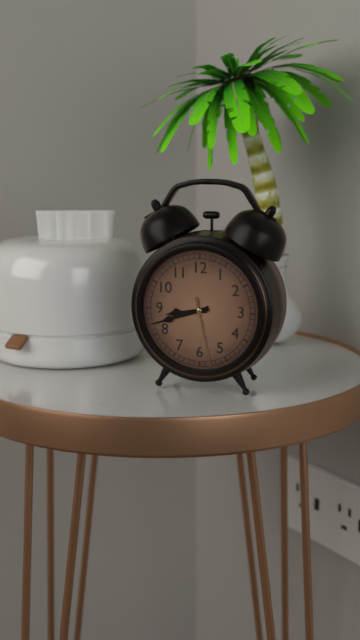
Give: 8h42m28s
